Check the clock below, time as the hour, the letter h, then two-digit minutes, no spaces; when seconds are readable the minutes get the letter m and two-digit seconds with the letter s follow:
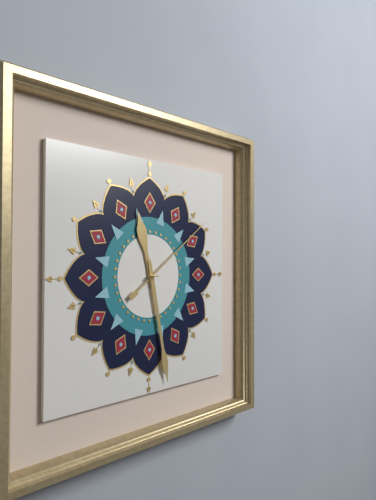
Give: 11h28m09s
